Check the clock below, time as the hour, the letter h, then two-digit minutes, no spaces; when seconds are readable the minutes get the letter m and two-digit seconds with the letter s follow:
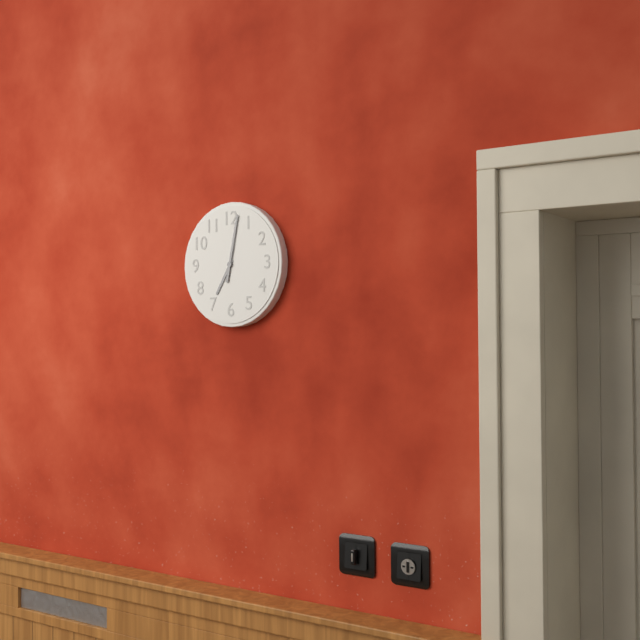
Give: 7h02
